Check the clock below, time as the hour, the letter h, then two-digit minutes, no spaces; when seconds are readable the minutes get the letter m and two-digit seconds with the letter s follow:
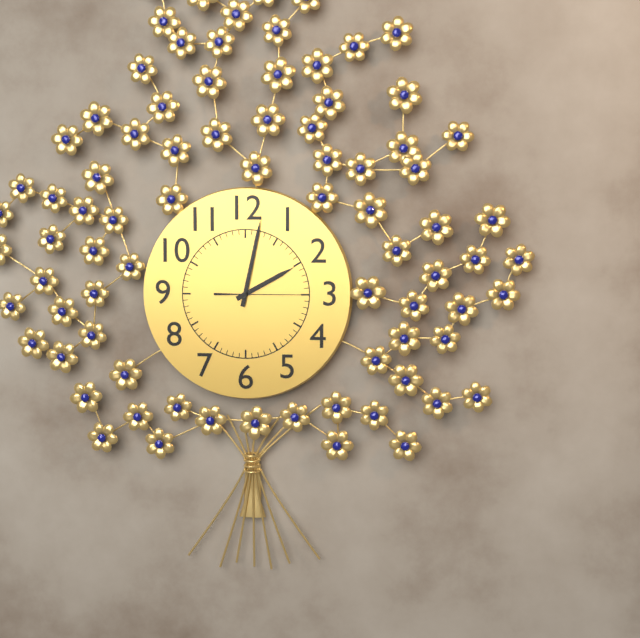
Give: 2h02m15s
